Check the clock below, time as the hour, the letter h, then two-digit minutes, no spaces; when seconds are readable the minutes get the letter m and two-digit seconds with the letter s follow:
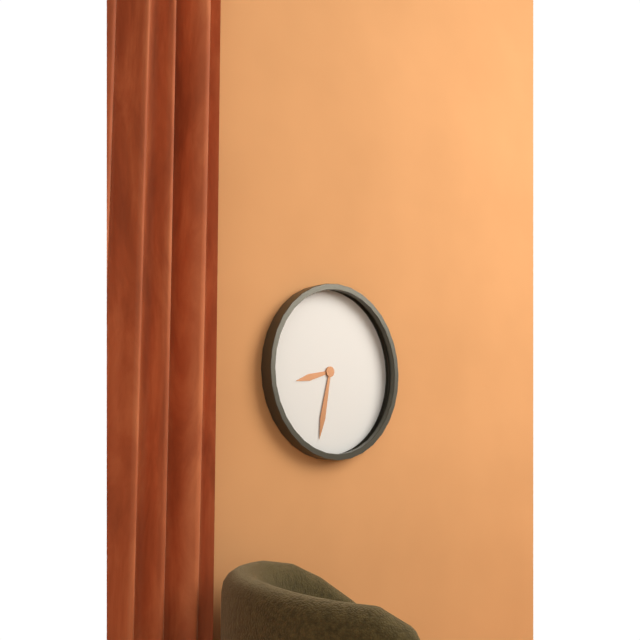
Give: 8h32
